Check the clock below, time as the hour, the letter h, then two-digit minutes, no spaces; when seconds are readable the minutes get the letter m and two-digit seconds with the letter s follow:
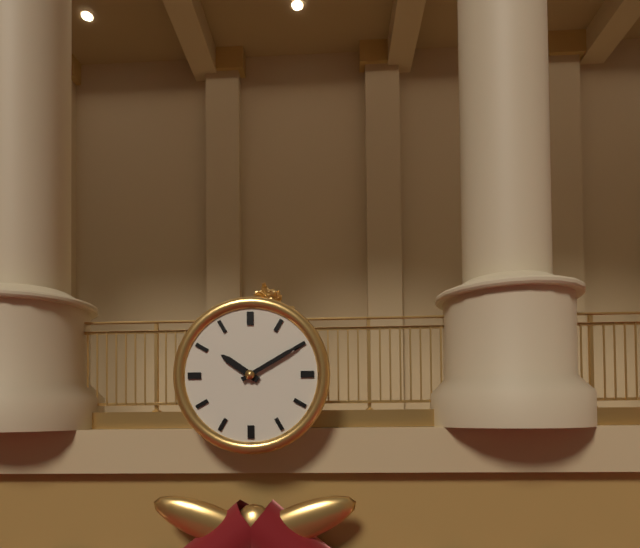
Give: 10h10
